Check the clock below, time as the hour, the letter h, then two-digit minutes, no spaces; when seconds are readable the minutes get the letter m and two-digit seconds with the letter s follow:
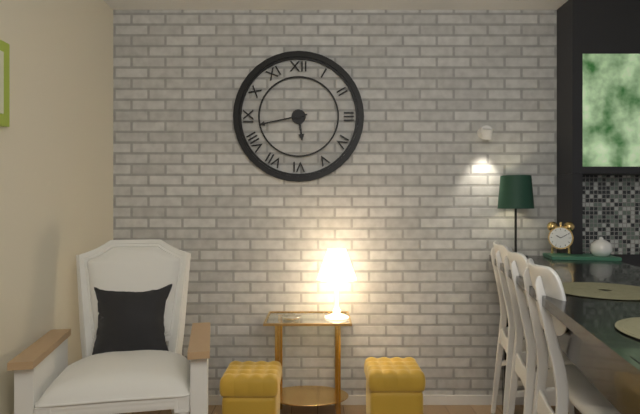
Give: 5h43
